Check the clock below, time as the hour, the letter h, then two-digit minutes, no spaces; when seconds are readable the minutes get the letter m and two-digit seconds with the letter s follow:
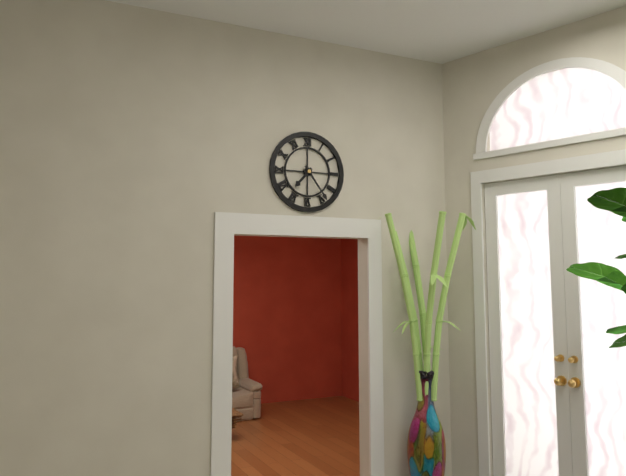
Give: 7h24
